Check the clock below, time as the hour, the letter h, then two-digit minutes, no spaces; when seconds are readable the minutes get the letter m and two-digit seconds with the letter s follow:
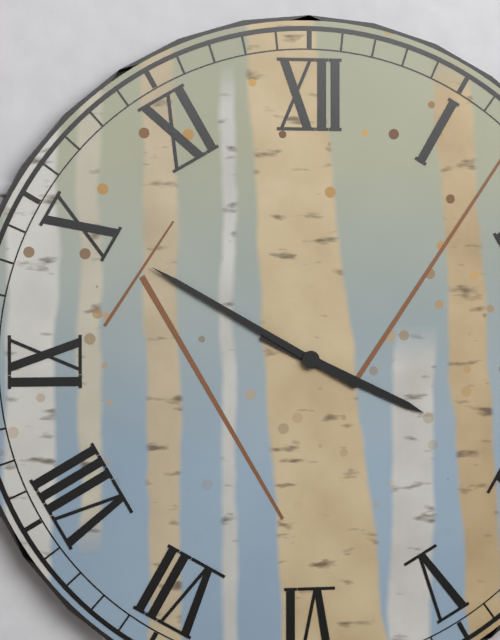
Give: 3h50
